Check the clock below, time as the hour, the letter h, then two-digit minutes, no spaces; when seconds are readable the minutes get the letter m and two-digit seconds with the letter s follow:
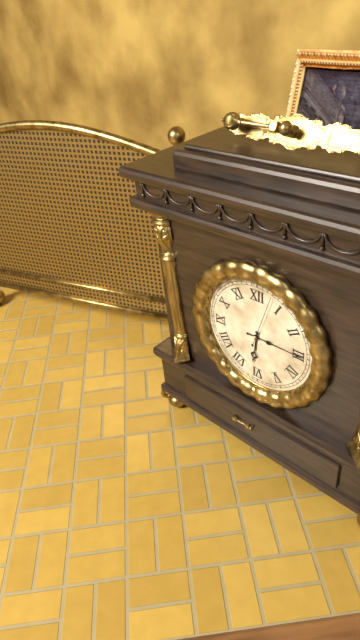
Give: 6h15m03s
